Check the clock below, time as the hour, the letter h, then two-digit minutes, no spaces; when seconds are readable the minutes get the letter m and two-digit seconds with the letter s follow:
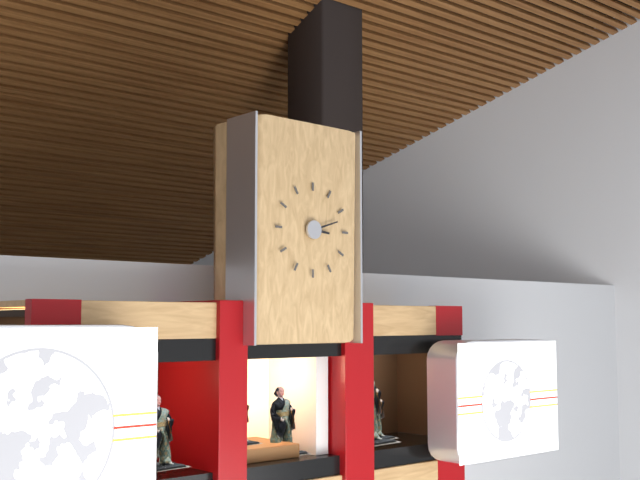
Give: 3h12
